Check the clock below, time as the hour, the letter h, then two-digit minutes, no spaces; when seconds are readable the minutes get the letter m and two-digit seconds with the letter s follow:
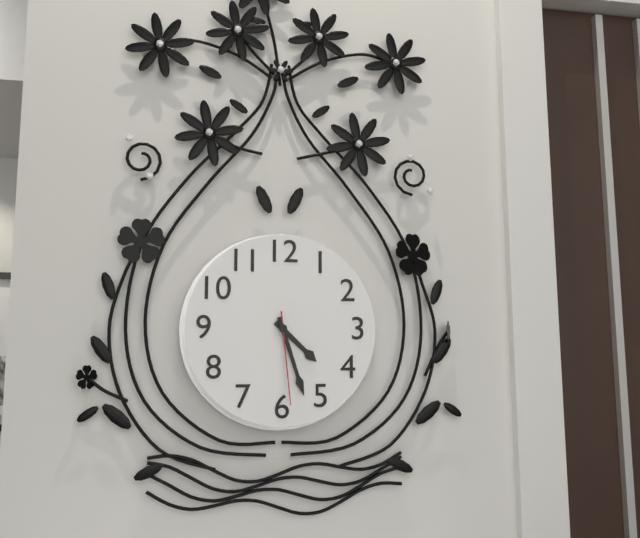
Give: 4h27m29s
